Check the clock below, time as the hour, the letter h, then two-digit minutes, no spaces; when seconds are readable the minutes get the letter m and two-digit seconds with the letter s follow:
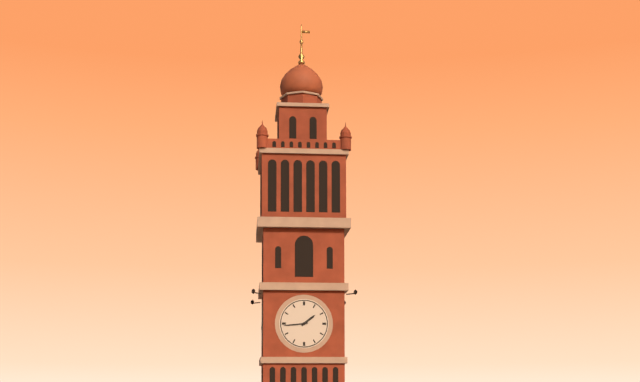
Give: 1h44
